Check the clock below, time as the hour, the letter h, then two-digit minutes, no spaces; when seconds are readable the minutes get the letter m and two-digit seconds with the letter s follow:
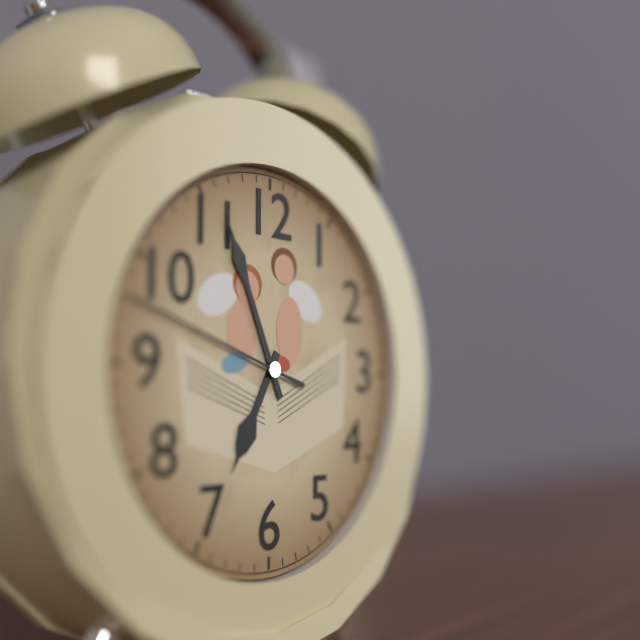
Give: 6h56m48s
